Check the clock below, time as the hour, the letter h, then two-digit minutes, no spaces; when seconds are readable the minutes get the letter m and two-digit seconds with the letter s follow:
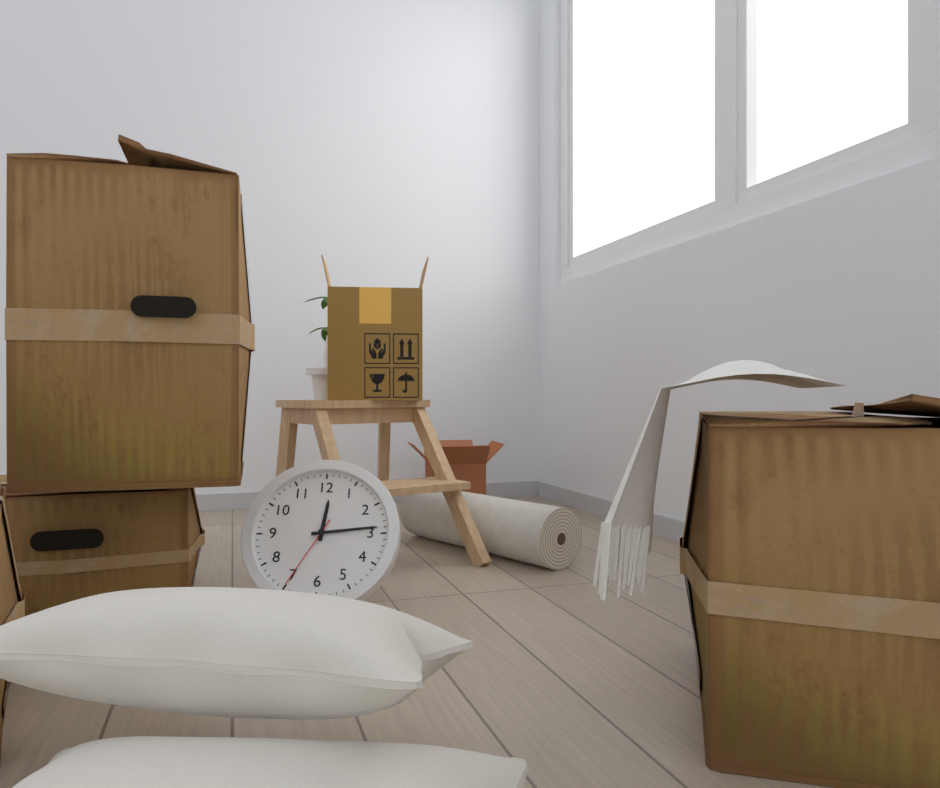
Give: 12h14m35s
